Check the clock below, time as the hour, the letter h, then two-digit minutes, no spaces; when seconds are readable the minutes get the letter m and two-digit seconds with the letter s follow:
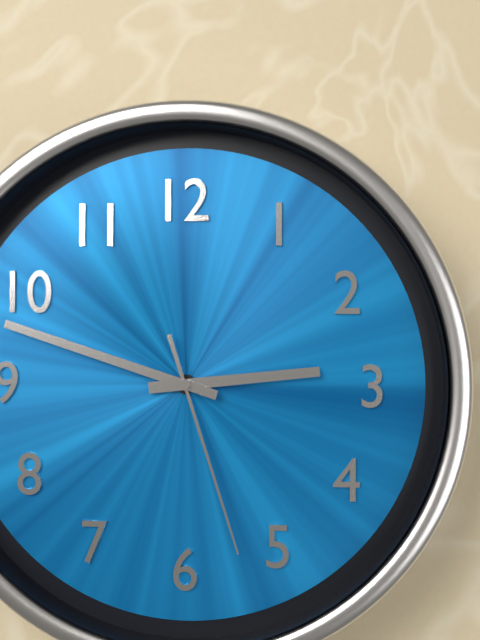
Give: 2h48m27s
